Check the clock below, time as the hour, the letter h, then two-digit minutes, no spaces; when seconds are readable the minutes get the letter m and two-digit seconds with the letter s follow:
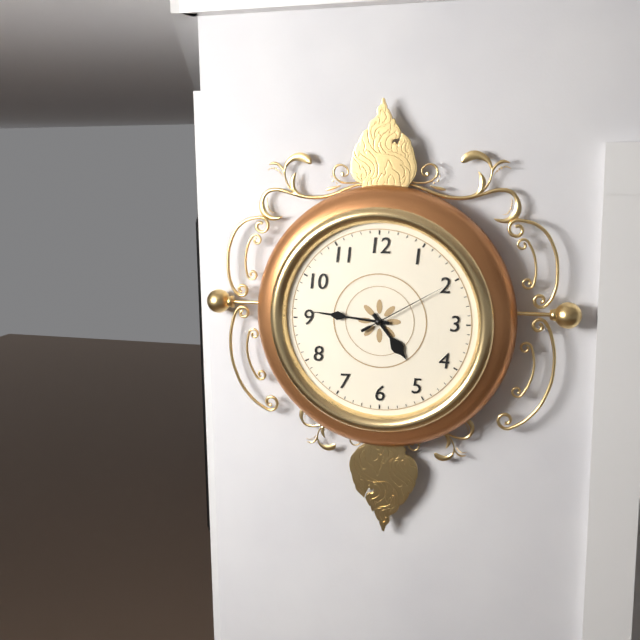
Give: 4h46m10s
